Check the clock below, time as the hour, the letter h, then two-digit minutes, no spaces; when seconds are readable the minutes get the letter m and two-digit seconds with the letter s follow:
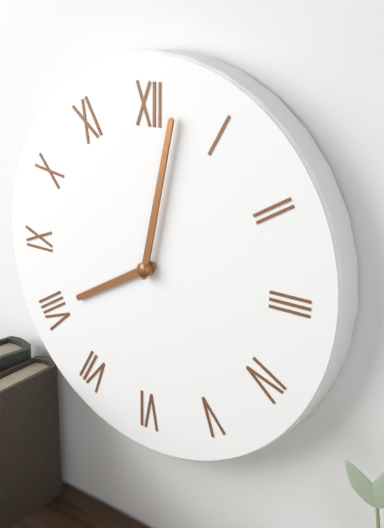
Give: 8h02
